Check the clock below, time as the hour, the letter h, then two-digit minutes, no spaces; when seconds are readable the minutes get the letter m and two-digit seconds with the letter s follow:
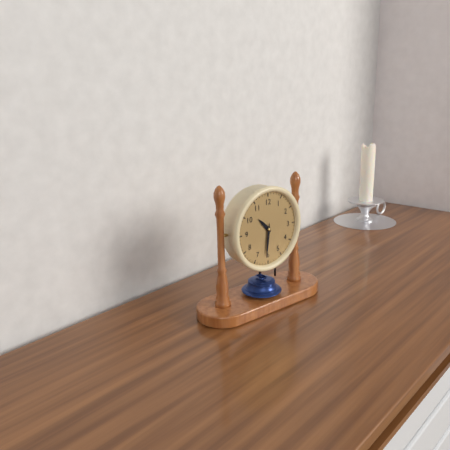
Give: 10h31
